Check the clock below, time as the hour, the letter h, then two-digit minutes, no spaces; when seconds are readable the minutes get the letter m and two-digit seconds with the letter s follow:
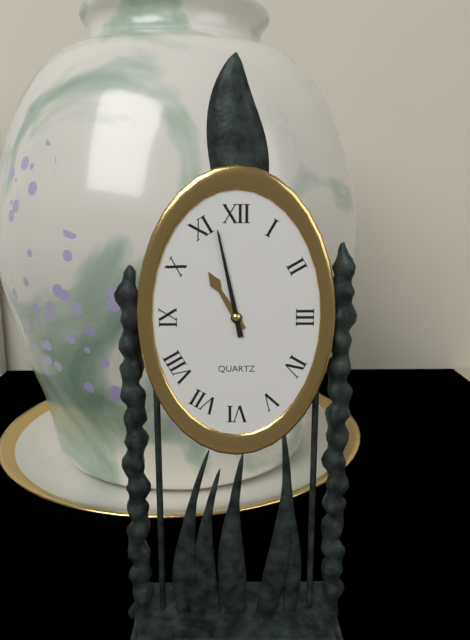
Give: 10h58
